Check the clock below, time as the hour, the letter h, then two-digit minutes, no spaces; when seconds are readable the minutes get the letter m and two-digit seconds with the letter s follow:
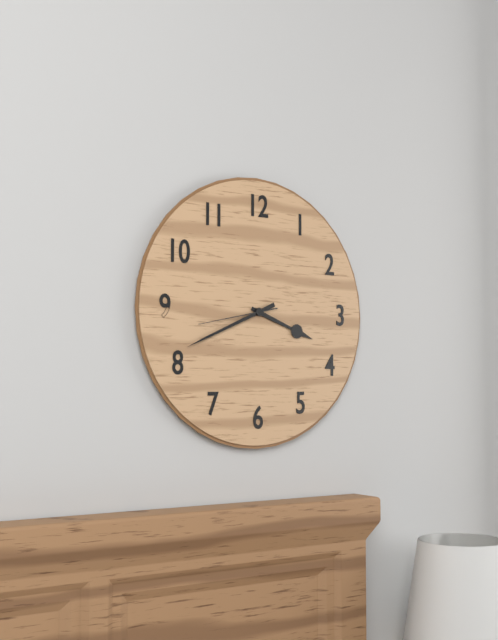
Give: 3h41m43s
